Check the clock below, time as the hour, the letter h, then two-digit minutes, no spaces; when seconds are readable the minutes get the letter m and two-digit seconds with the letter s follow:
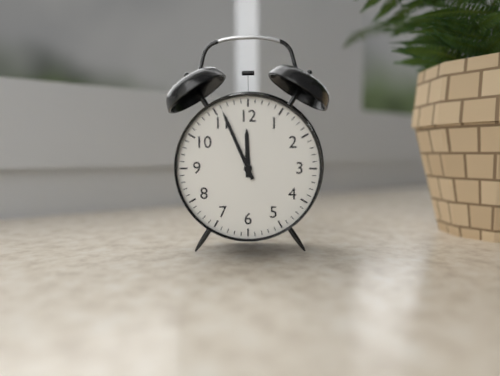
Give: 11h56
